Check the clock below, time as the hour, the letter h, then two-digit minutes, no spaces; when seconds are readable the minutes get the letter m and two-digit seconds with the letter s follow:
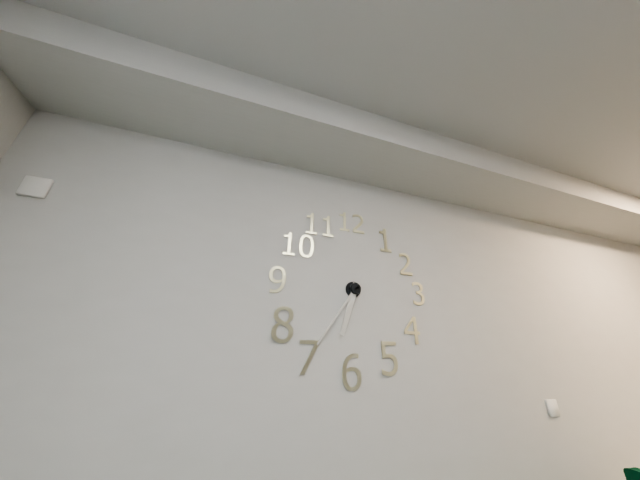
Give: 6h36
